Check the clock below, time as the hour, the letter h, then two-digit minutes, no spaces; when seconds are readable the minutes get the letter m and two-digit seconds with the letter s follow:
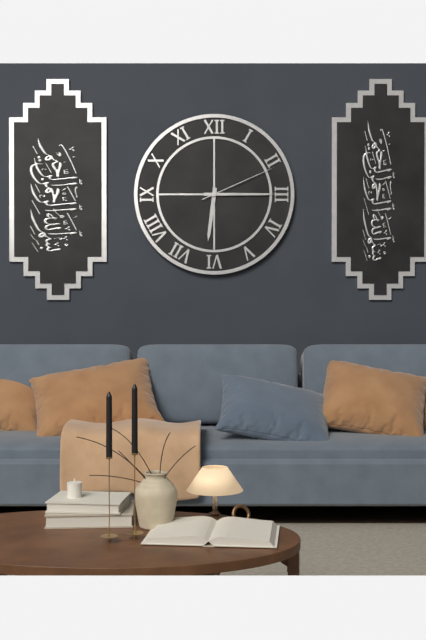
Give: 6h15m11s
